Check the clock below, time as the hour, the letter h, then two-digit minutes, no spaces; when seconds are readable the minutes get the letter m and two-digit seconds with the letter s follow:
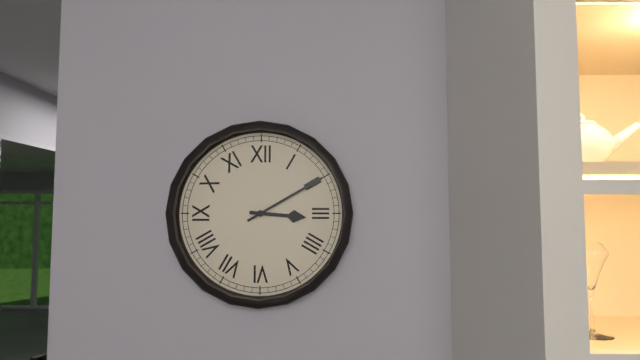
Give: 3h10
